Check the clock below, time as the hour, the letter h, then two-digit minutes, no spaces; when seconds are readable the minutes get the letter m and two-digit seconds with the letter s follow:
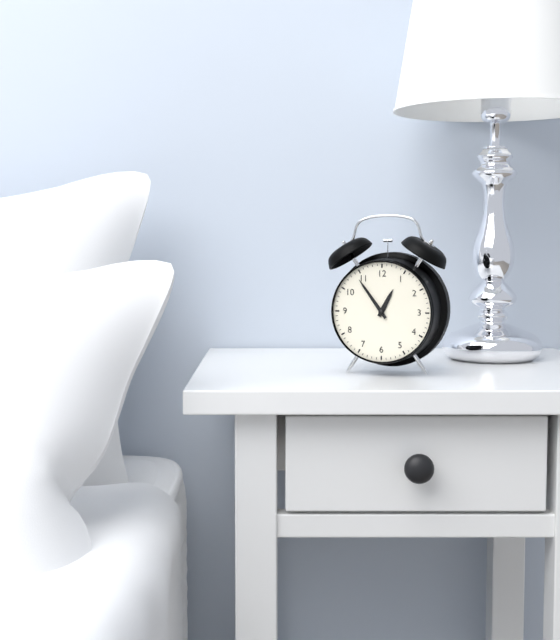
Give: 12h54
